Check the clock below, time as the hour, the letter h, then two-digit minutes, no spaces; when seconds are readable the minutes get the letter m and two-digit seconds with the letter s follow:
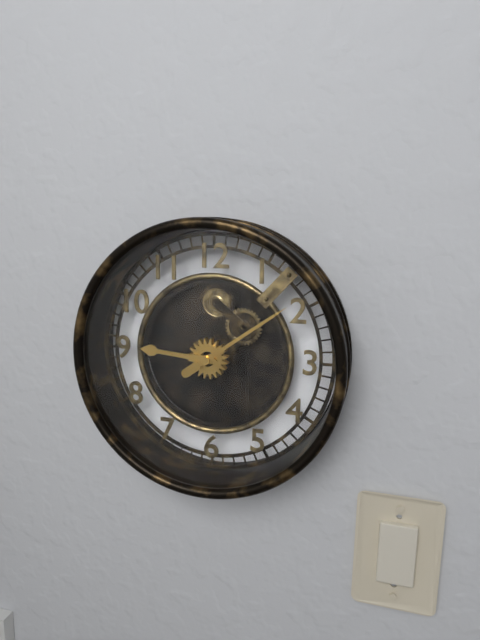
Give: 9h09
